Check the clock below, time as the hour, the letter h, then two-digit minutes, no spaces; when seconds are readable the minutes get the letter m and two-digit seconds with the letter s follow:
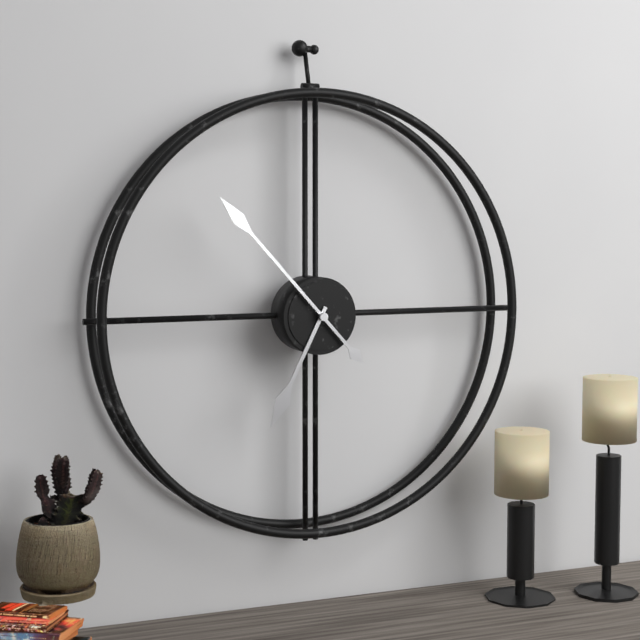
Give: 6h53
